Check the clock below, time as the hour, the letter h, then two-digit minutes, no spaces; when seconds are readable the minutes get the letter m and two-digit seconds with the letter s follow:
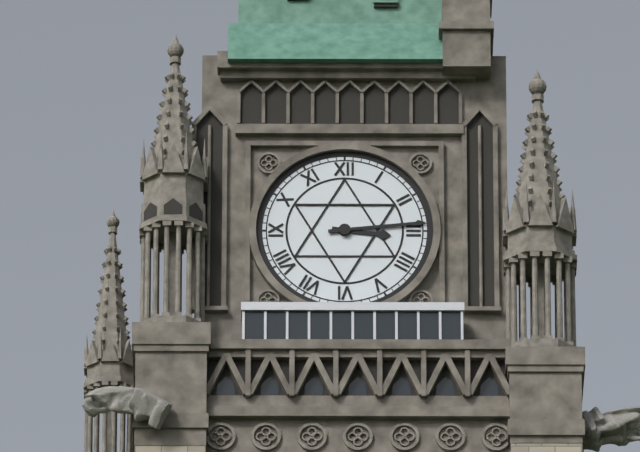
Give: 3h14
